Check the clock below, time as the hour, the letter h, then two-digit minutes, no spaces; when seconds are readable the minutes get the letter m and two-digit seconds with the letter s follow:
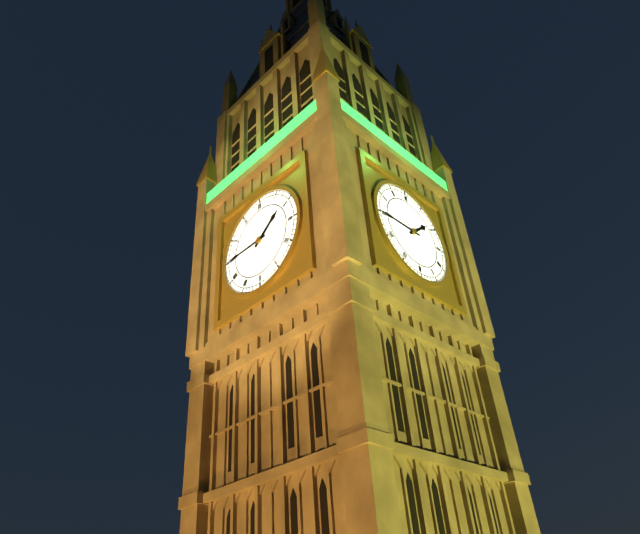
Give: 1h45
